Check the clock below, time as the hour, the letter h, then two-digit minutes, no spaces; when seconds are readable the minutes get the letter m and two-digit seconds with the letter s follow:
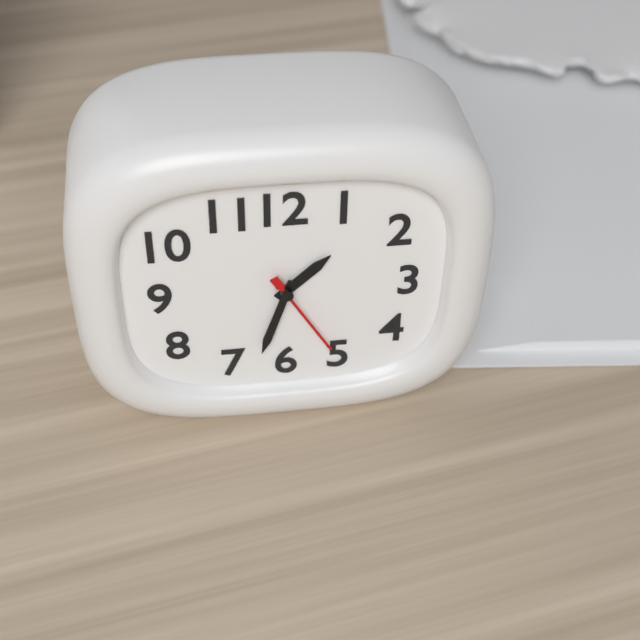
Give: 1h33m25s
